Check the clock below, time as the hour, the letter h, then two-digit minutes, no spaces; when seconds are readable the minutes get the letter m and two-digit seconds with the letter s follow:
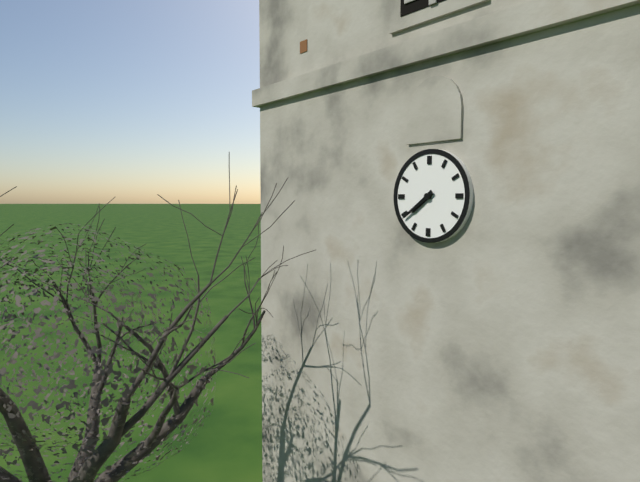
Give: 7h39
